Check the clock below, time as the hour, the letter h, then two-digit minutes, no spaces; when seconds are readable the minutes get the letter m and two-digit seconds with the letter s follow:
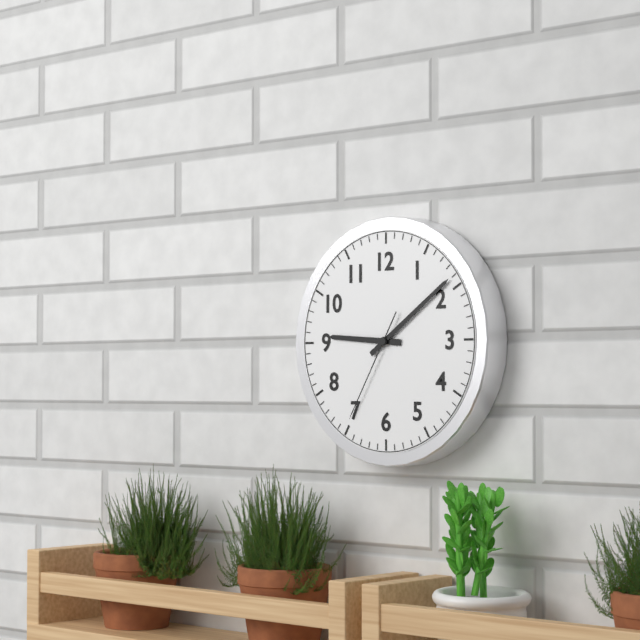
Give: 9h09m35s
